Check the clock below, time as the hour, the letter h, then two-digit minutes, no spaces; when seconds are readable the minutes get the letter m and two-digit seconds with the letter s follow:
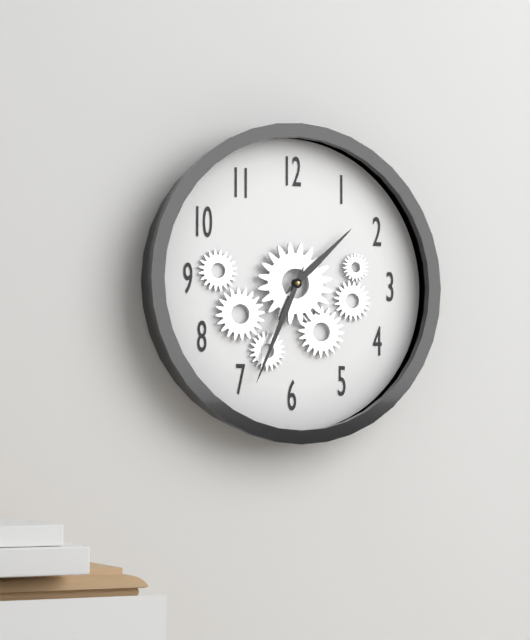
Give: 1h34
